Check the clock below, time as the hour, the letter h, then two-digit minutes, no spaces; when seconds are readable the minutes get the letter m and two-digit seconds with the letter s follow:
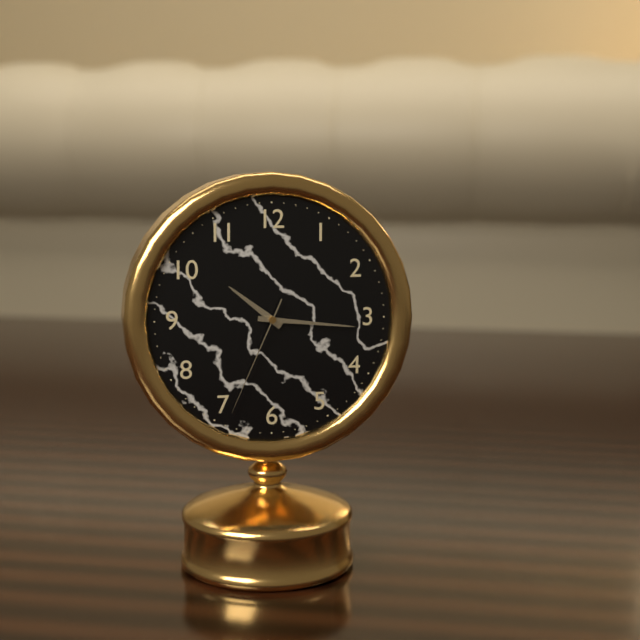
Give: 10h16m34s
